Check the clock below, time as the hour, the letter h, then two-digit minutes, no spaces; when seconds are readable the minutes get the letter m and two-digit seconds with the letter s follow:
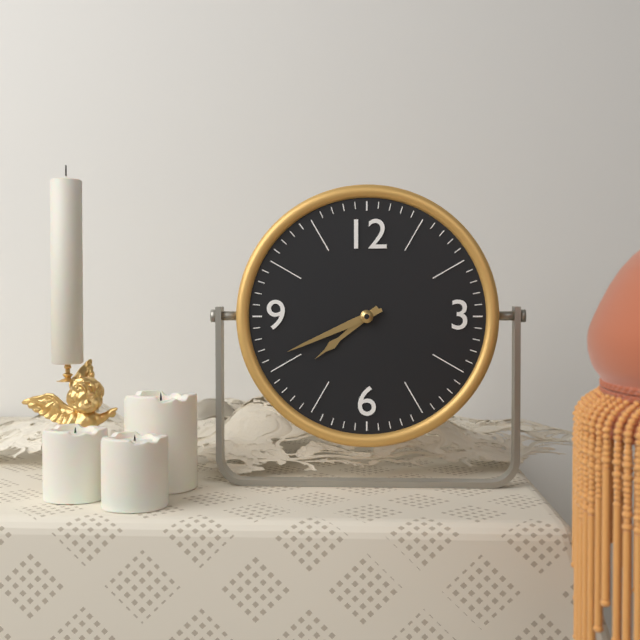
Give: 7h41
